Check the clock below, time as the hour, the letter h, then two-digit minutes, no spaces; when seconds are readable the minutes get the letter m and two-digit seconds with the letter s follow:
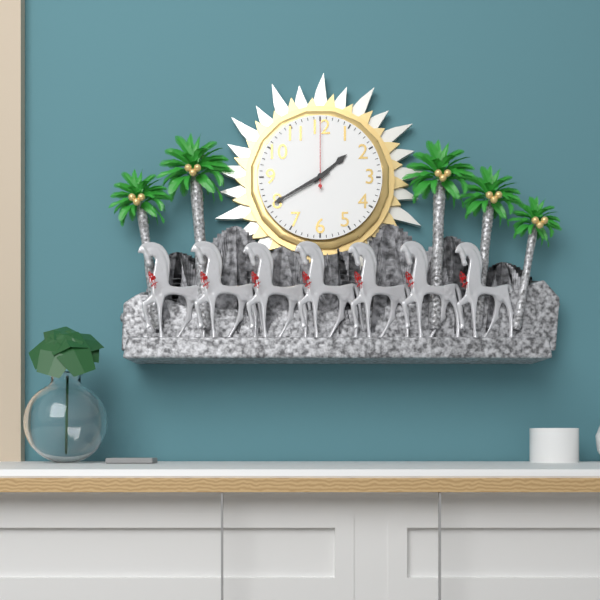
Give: 1h40m00s
